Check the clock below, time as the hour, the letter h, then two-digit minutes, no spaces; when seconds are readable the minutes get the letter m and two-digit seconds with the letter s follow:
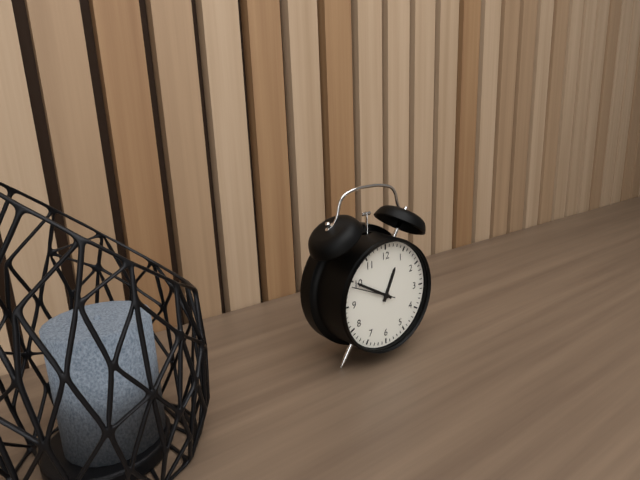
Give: 12h50
